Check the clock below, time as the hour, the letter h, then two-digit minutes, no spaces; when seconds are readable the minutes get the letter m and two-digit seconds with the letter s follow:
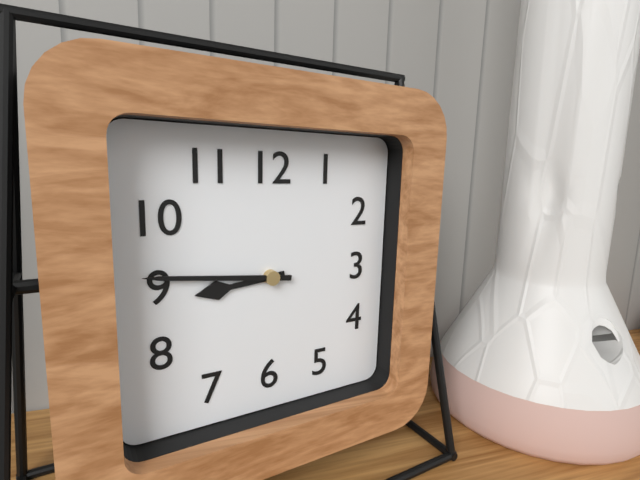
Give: 8h46
